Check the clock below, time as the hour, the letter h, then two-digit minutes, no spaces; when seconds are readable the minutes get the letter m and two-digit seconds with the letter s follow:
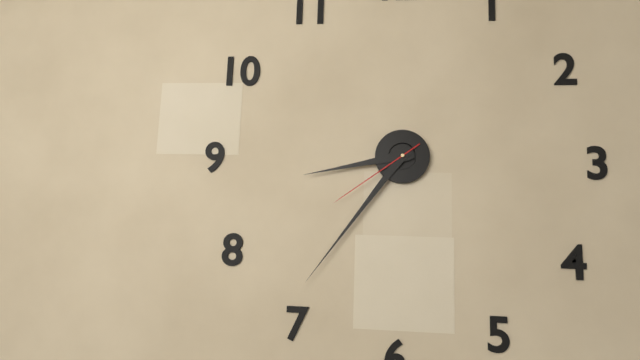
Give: 8h36m39s
